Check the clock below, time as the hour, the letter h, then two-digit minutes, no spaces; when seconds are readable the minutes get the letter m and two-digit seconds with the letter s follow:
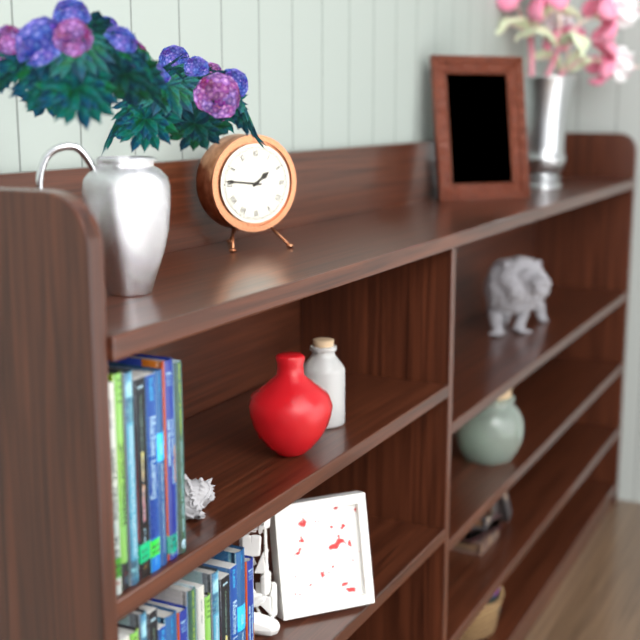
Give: 1h46
